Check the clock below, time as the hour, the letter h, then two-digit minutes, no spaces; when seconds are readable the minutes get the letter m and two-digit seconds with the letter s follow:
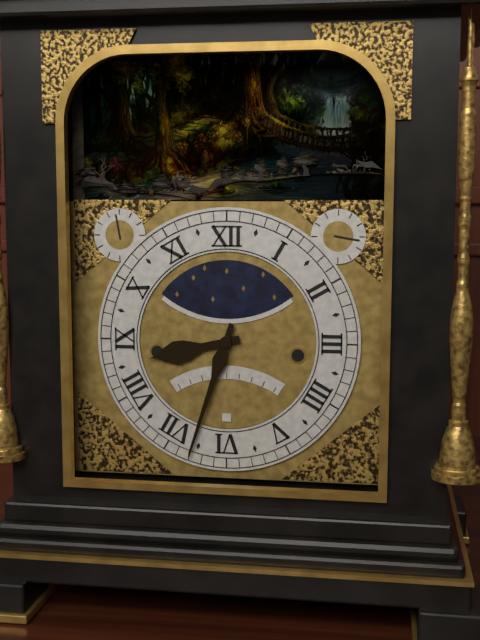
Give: 8h33
